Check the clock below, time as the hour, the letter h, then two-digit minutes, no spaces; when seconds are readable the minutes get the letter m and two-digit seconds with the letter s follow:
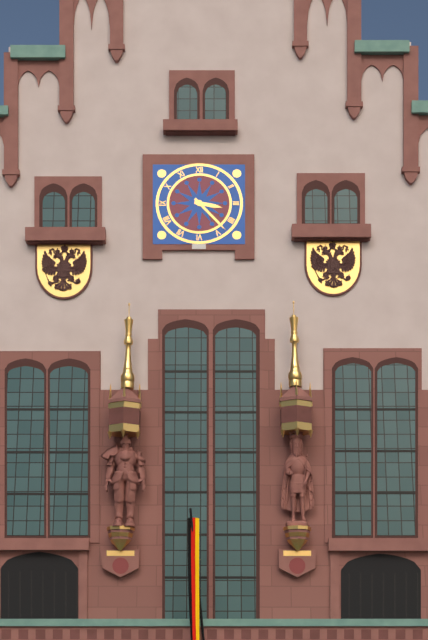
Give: 3h23
